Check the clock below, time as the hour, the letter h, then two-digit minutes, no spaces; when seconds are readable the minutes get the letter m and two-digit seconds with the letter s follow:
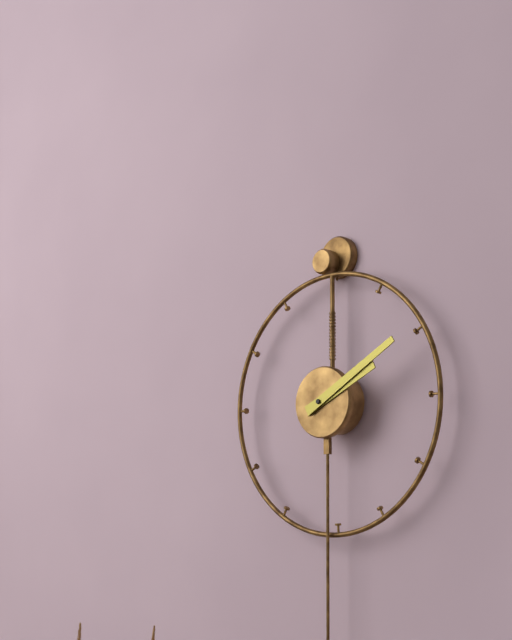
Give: 2h10
